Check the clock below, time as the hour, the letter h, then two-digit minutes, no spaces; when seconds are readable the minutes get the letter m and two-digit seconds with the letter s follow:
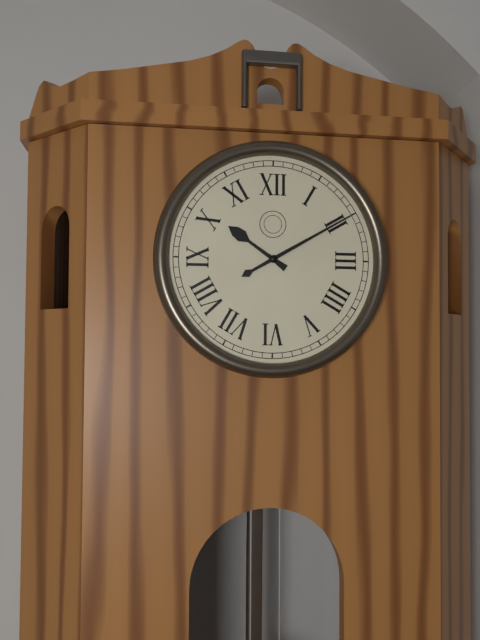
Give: 10h10
